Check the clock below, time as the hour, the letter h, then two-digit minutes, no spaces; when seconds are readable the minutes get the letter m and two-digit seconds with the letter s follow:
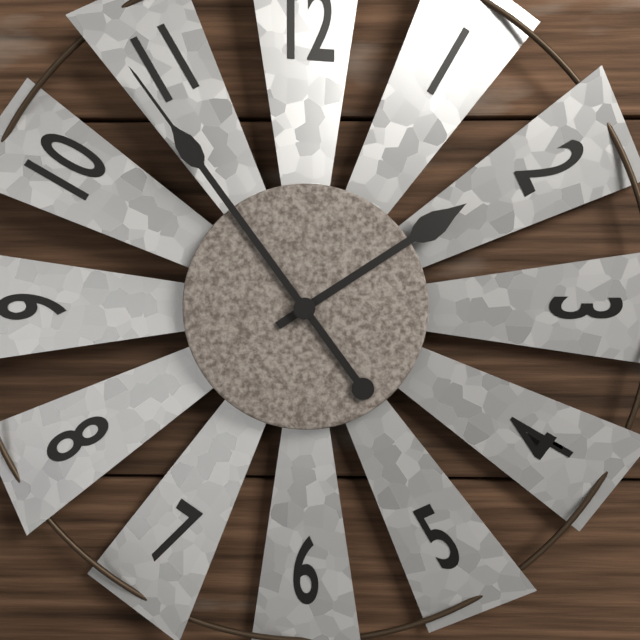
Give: 1h54
